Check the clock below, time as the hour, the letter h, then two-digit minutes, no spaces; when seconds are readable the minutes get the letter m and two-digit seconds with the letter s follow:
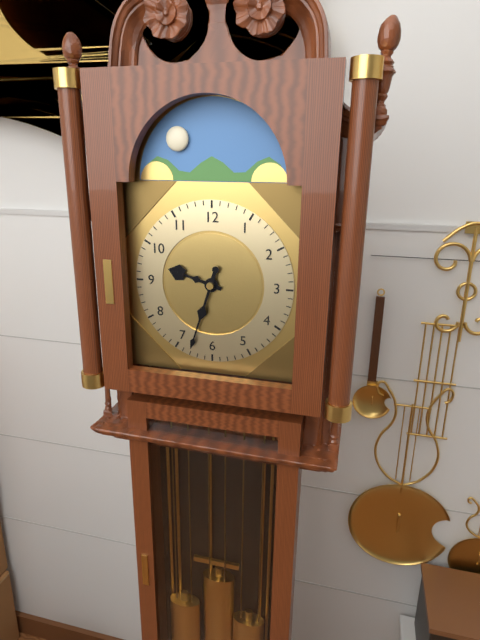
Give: 9h33
